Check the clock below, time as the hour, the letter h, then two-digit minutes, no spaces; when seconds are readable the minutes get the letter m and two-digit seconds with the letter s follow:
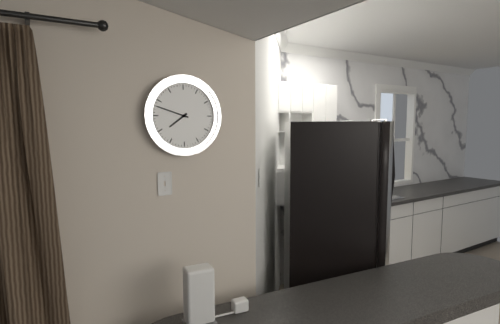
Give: 7h48
